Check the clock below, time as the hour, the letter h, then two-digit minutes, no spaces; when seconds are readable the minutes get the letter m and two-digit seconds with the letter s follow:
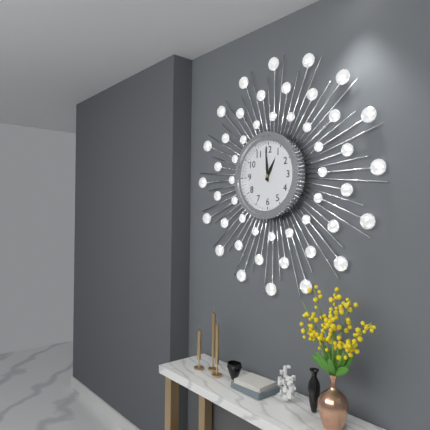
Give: 12h59
